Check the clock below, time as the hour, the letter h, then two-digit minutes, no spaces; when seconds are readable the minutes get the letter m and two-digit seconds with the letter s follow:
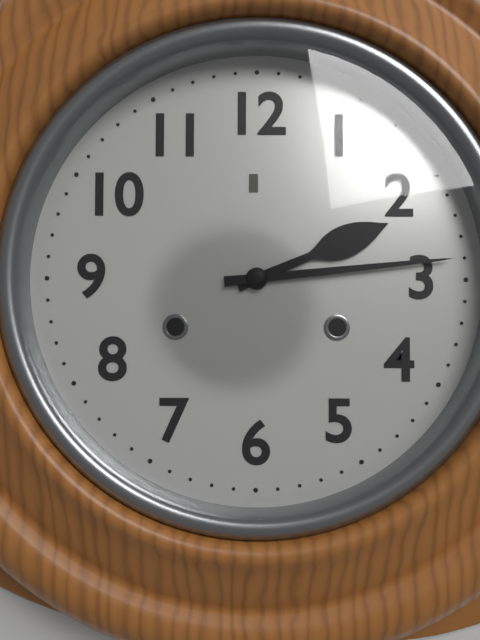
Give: 2h14
